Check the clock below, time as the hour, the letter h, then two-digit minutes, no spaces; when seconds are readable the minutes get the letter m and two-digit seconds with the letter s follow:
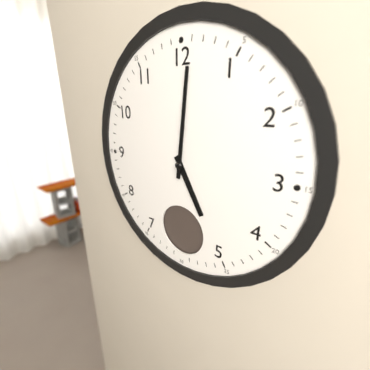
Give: 5h01
